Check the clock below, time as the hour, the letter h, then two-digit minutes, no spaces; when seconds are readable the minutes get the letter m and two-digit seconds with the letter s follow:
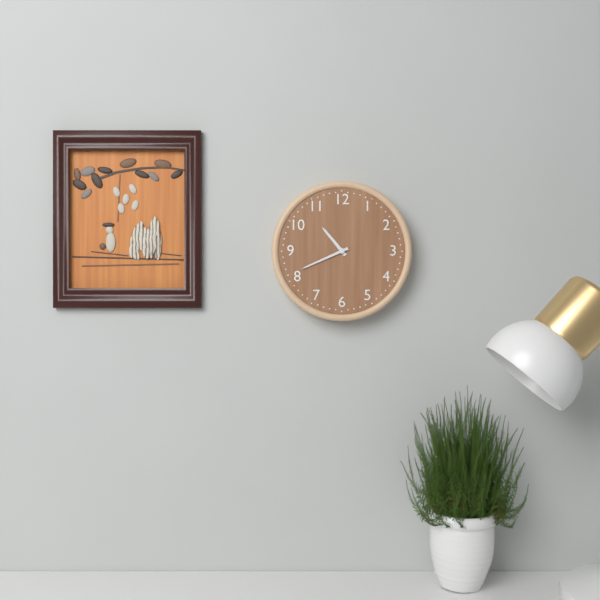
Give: 10h41
